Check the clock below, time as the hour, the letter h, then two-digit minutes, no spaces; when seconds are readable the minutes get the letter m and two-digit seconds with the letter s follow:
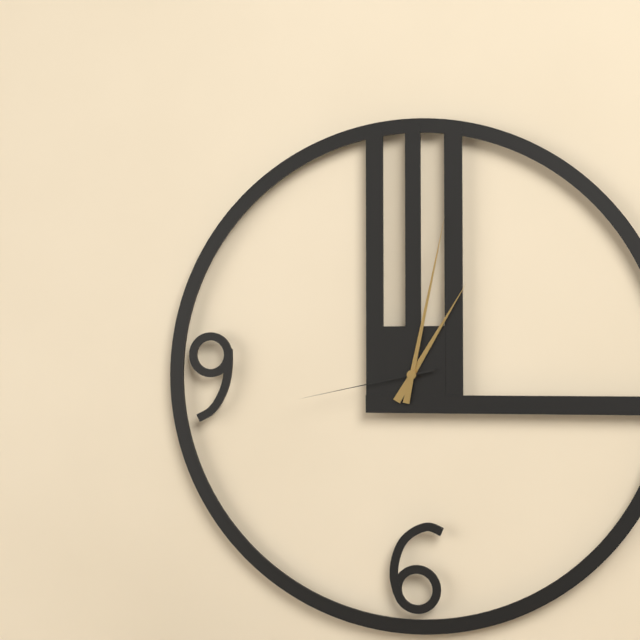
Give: 1h02m43s
